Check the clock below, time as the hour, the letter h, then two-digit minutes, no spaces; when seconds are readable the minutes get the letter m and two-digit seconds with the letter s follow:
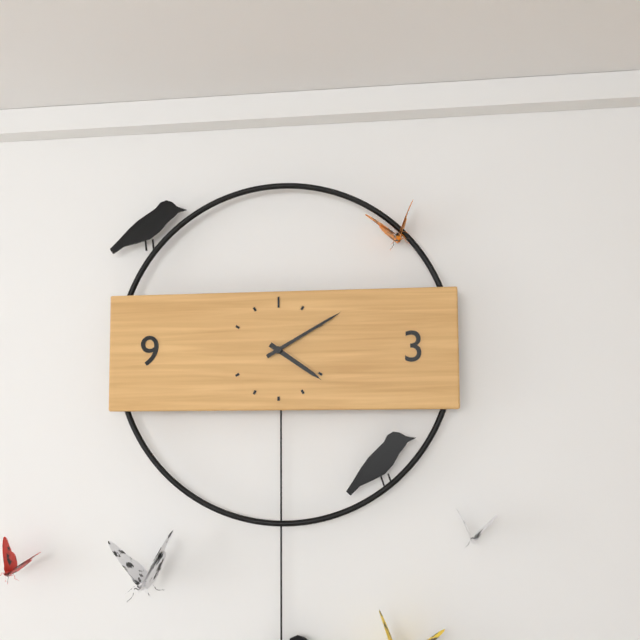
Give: 4h10
